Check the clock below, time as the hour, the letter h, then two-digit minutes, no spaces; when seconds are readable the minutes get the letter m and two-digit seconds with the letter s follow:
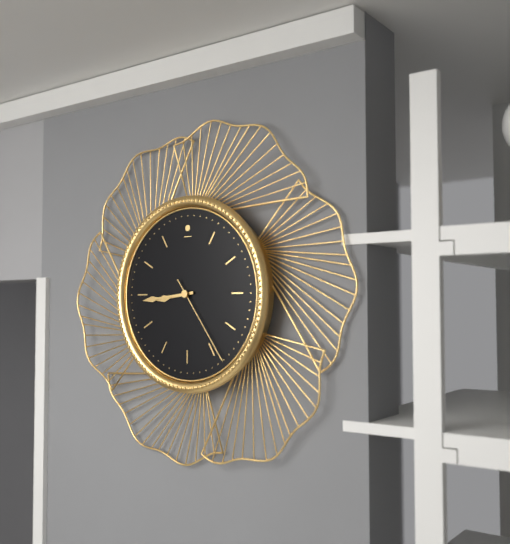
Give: 8h44m24s
